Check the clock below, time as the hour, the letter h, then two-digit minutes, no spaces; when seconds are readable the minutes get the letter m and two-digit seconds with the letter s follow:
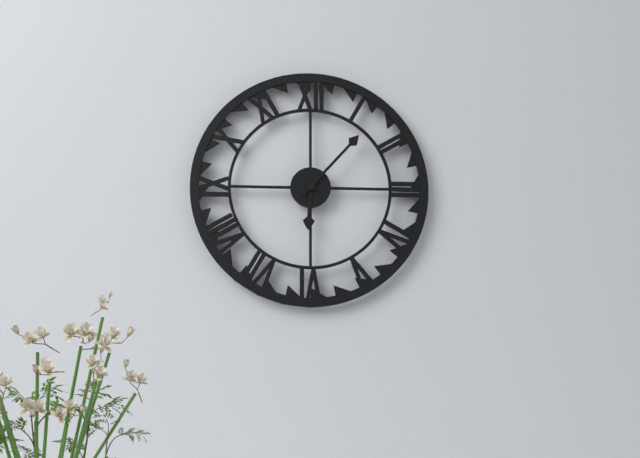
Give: 6h07
